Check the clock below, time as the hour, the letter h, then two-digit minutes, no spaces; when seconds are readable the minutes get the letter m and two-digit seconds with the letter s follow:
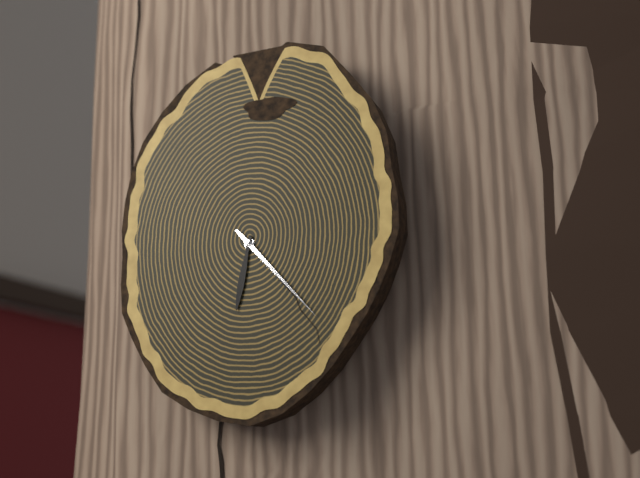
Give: 6h23
